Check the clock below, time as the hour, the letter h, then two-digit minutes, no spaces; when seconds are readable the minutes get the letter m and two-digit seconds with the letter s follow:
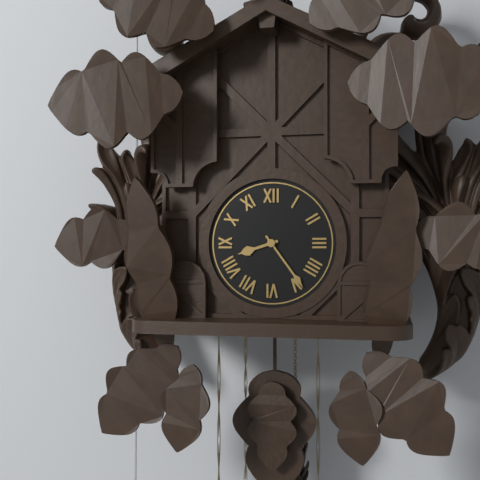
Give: 8h24
